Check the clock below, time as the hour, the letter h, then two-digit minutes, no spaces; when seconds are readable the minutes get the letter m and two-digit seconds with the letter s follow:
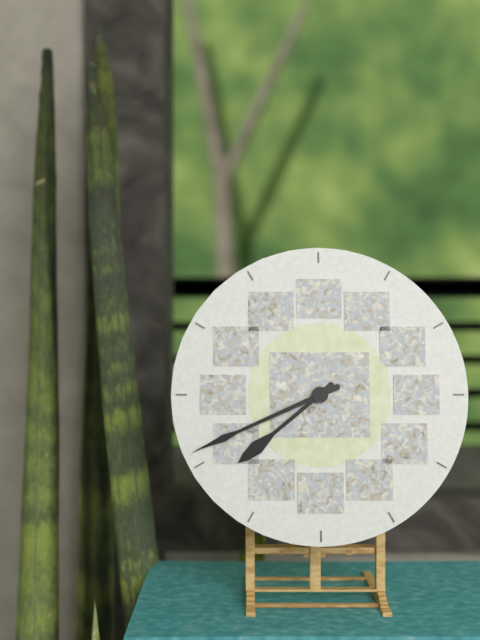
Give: 7h41
